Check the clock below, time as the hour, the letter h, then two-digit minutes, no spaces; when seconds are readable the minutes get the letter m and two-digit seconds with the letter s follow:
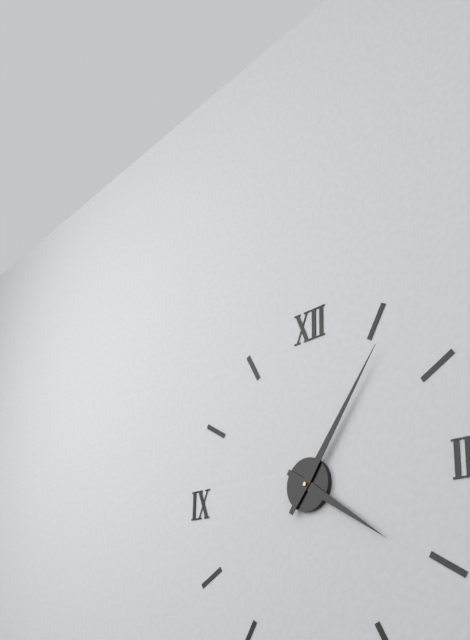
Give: 4h06
